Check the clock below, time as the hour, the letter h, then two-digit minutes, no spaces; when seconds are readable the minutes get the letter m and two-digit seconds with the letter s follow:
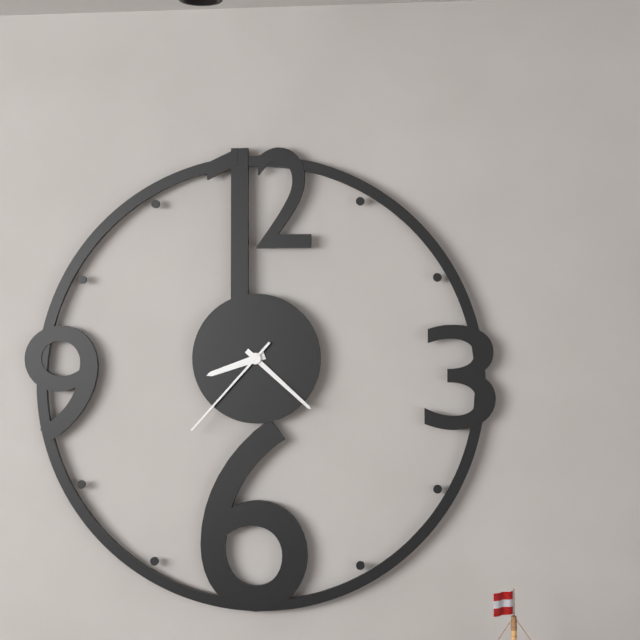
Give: 8h22m37s
